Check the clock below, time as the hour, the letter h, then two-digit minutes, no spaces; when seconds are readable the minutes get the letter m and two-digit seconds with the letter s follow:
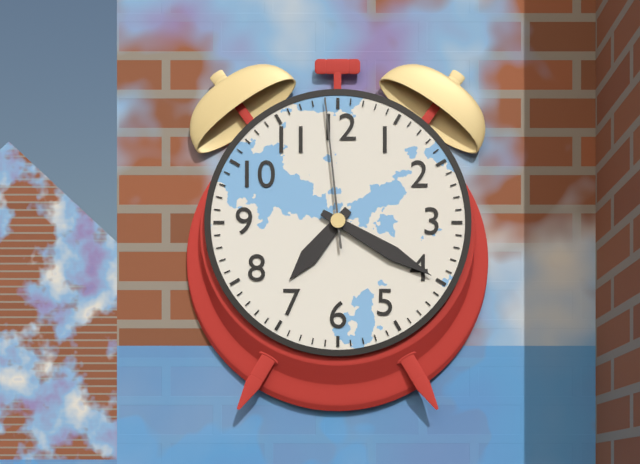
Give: 7h20m59s
